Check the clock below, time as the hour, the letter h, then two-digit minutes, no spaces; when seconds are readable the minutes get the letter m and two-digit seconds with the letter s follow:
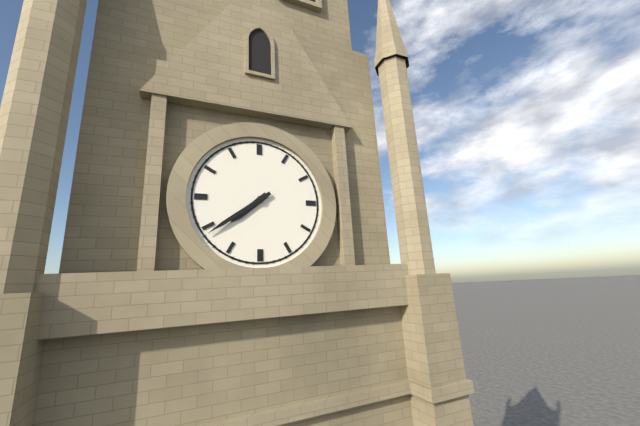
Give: 7h39
